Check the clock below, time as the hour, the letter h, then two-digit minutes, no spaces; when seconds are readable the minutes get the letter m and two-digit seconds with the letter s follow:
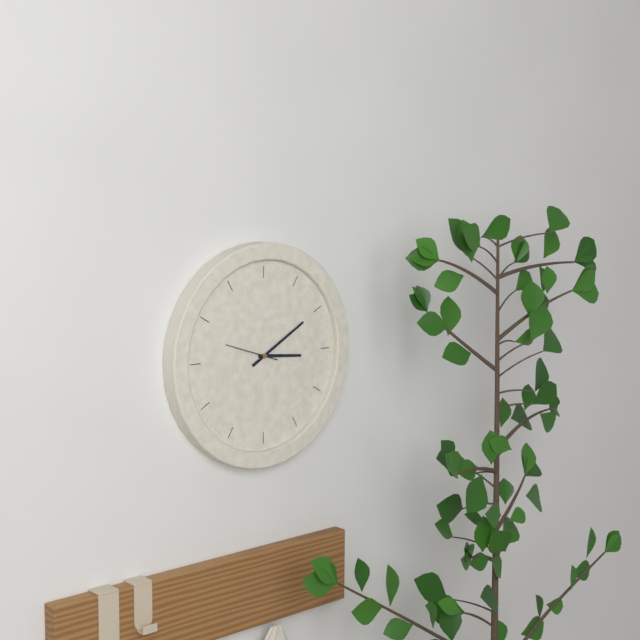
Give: 3h10m48s
